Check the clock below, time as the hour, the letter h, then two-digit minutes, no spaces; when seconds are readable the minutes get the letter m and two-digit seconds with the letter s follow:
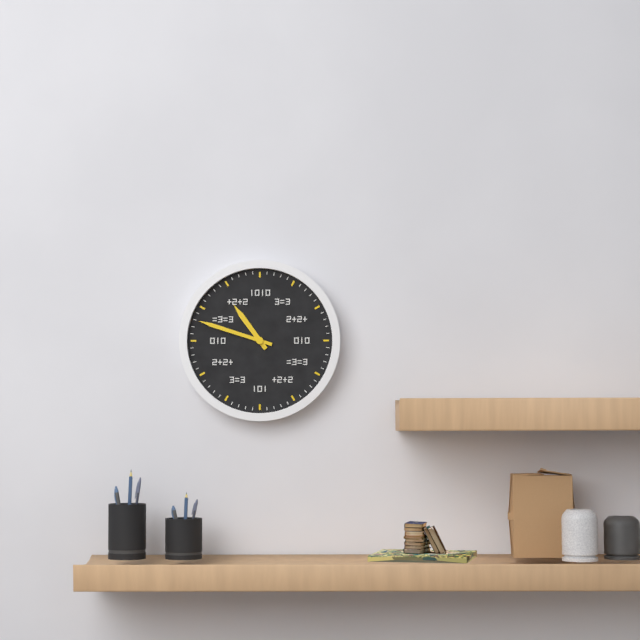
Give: 10h48
